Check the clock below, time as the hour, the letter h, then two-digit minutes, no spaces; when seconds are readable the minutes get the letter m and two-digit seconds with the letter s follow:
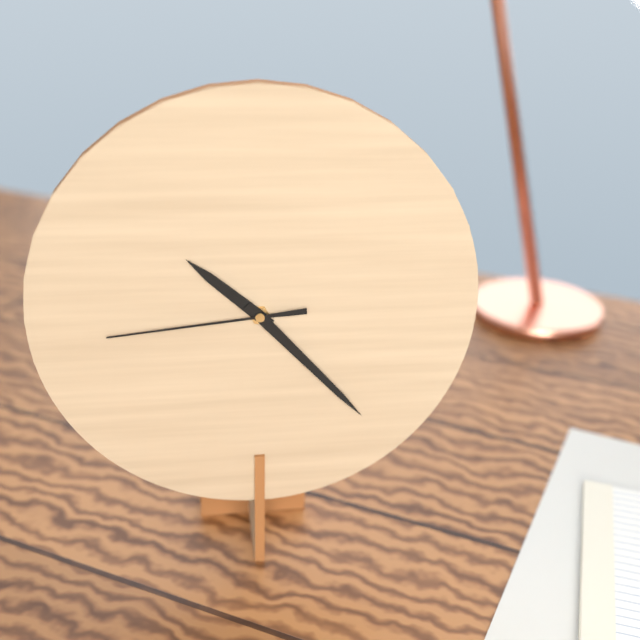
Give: 10h23m44s
